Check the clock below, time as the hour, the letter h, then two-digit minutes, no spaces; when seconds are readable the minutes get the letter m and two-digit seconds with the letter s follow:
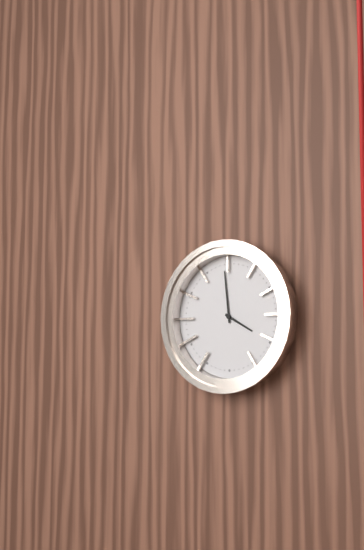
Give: 3h59
